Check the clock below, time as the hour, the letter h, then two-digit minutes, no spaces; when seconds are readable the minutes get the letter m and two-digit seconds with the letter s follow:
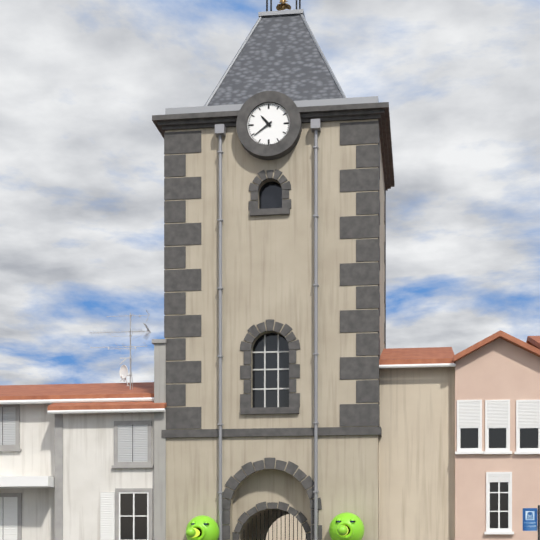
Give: 10h39
